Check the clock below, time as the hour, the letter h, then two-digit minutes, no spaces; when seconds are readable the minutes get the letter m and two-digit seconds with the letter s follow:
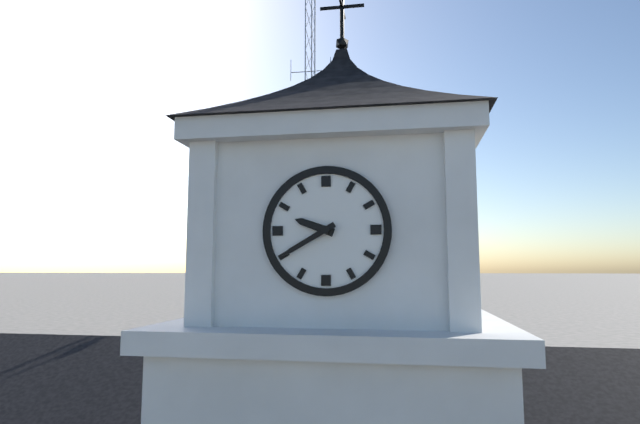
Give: 9h40
